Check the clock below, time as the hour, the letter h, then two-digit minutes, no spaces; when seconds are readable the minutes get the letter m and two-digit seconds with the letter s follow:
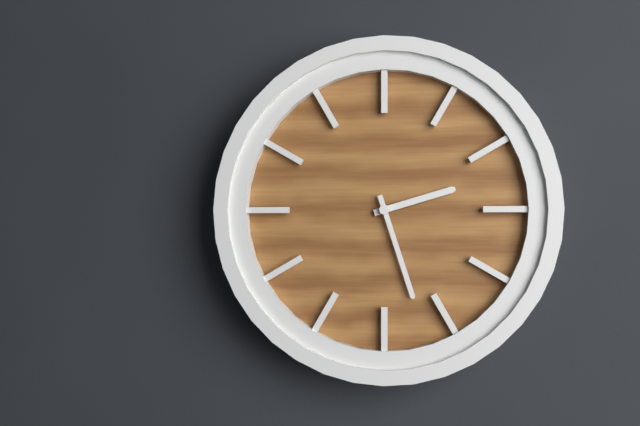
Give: 2h27
